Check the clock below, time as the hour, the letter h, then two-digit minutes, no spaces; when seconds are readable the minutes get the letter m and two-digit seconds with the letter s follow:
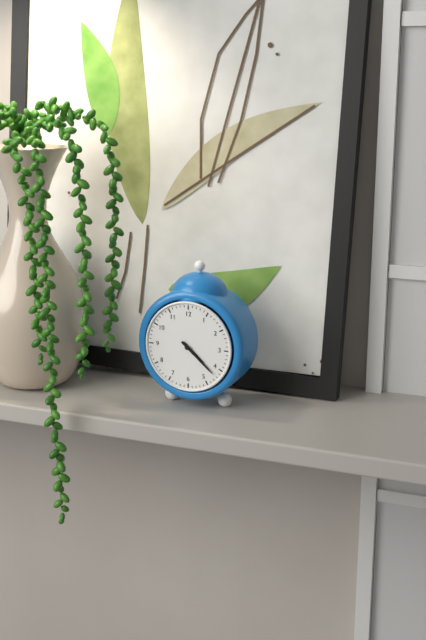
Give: 4h22
